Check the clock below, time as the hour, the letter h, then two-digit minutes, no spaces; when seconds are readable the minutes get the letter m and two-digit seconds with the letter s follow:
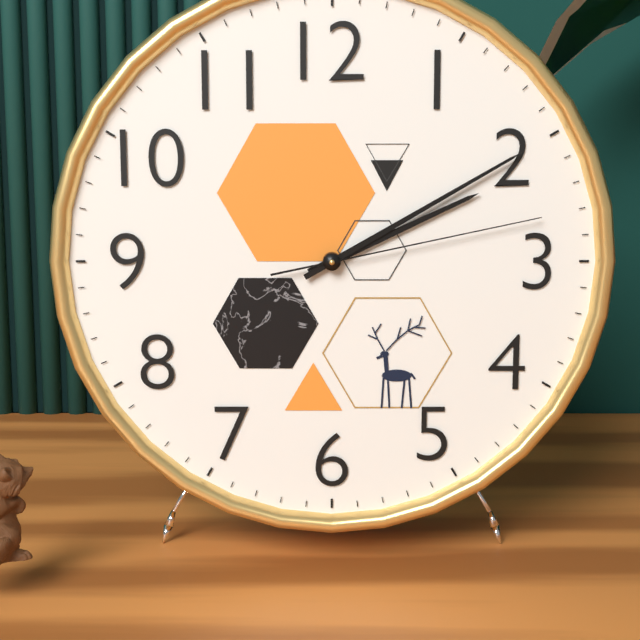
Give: 2h10m13s
